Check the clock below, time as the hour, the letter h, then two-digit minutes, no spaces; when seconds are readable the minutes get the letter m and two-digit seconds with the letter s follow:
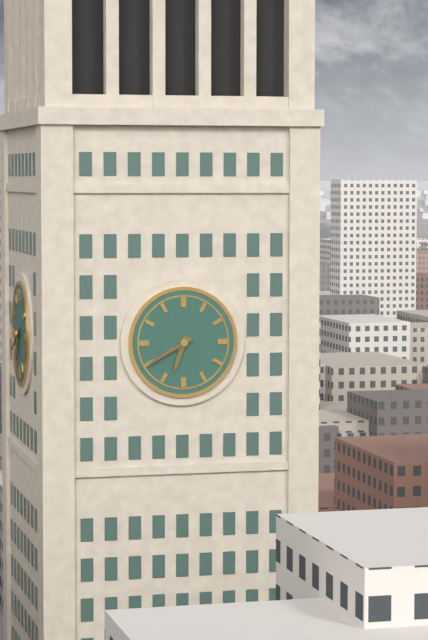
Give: 6h40
